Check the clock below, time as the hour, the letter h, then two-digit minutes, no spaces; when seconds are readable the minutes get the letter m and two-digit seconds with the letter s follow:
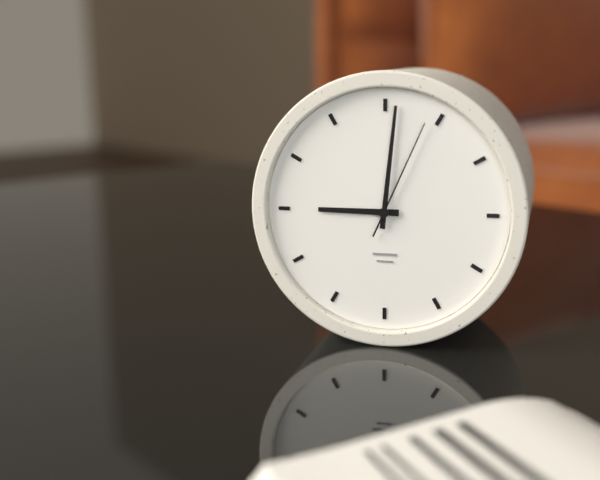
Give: 9h01m04s
